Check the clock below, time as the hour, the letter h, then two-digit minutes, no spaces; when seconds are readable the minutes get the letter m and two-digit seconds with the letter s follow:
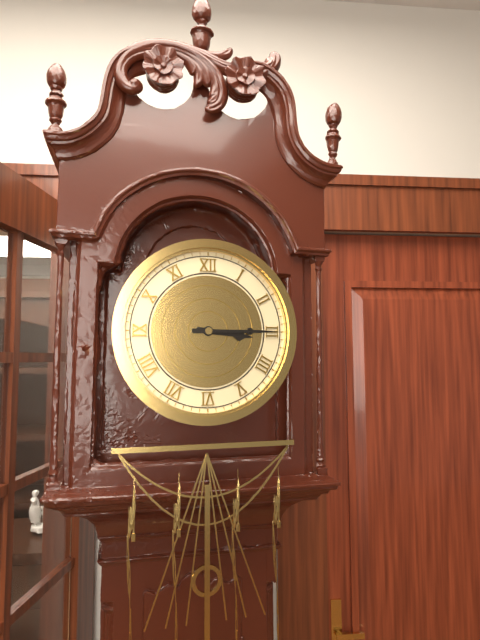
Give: 3h15
